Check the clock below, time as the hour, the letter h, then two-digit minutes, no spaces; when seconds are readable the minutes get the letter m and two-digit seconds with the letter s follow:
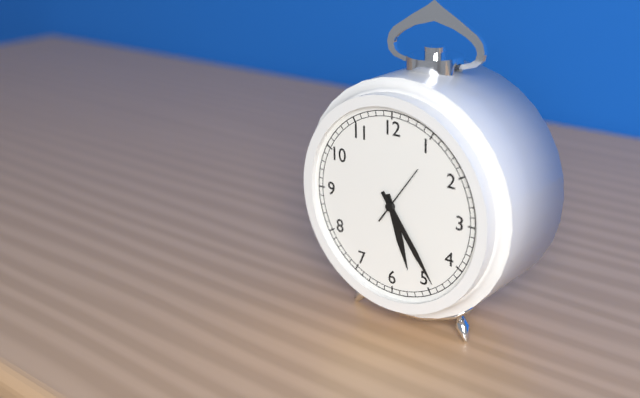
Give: 5h24m06s
